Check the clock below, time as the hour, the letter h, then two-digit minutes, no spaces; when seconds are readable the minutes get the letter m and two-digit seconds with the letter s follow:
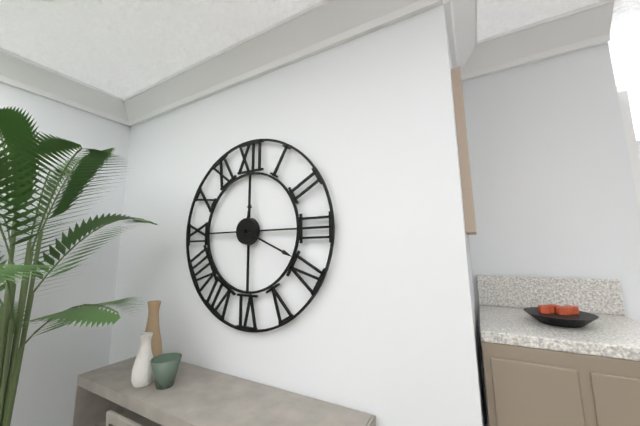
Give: 12h19
